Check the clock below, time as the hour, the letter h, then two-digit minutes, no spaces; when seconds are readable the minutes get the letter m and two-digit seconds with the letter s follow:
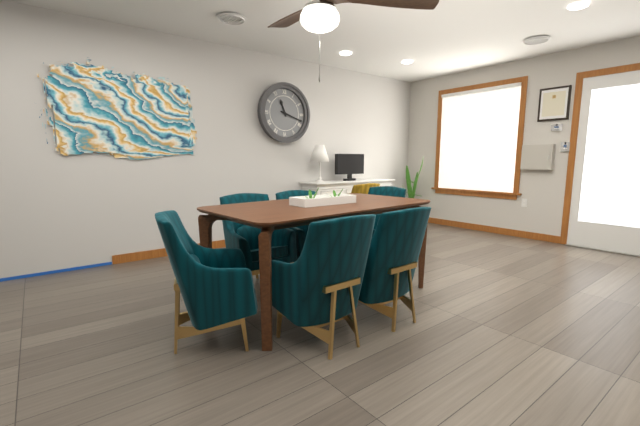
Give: 11h18
